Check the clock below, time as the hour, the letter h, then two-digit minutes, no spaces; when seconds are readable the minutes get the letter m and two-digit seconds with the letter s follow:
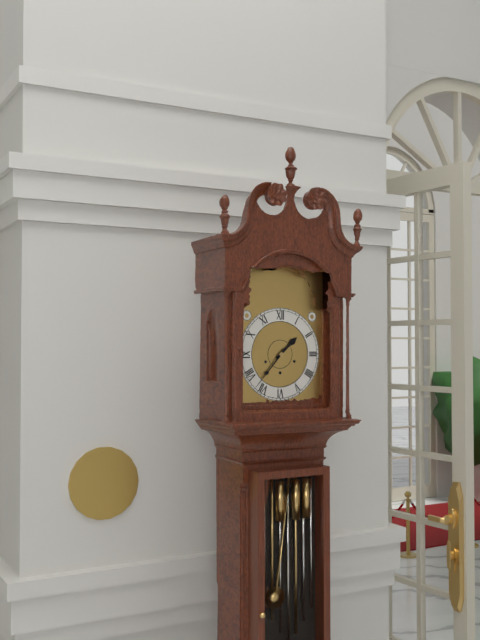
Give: 1h37
